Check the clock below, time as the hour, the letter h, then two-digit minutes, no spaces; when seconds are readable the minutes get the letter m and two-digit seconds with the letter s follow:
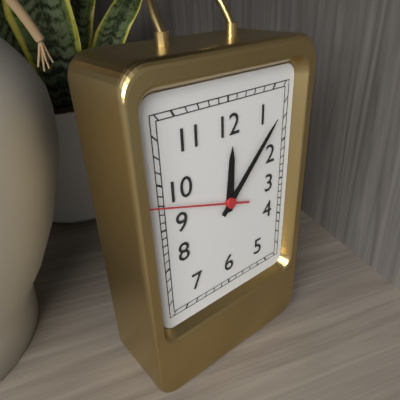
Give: 12h07m48s
